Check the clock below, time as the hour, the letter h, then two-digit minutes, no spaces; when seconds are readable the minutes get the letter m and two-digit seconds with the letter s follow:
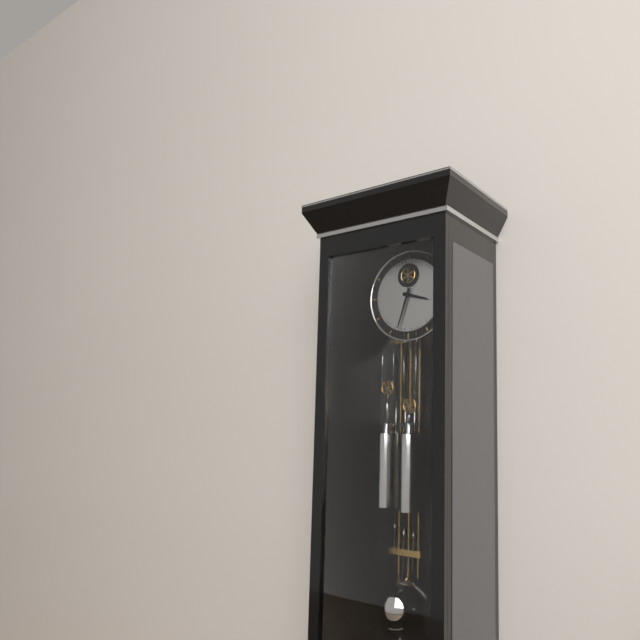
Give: 3h33
